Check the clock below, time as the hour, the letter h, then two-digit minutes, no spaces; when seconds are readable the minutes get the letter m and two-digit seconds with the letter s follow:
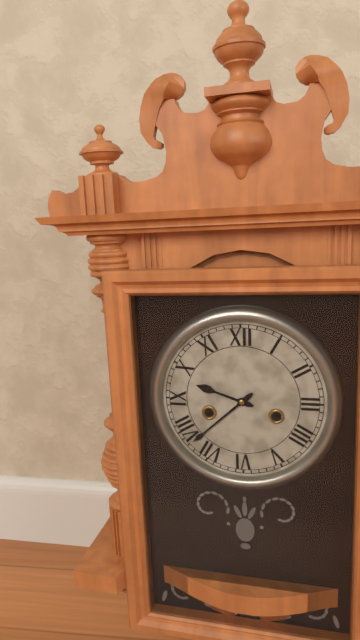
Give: 9h38
